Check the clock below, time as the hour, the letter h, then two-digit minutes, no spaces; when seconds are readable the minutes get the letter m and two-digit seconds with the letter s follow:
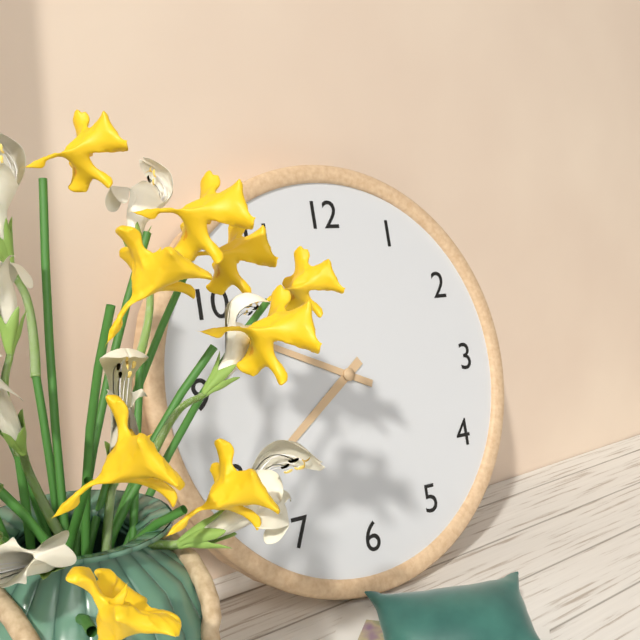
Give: 7h49
